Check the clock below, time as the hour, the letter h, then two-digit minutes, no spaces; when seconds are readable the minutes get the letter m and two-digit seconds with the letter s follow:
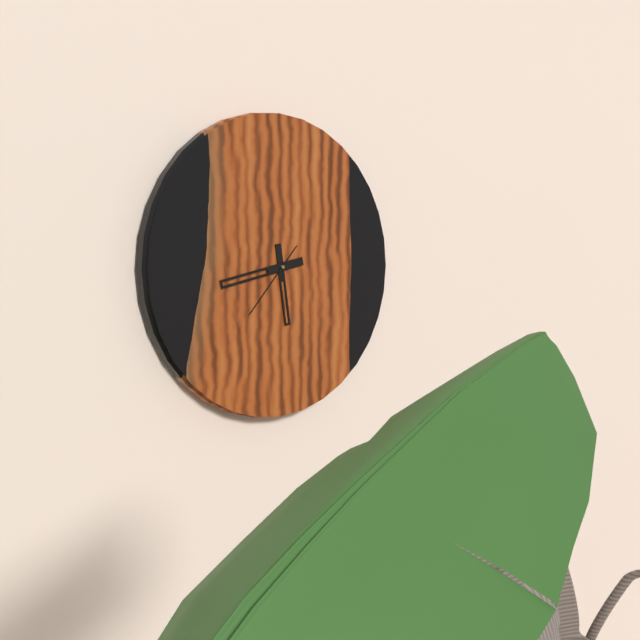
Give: 5h43m37s
